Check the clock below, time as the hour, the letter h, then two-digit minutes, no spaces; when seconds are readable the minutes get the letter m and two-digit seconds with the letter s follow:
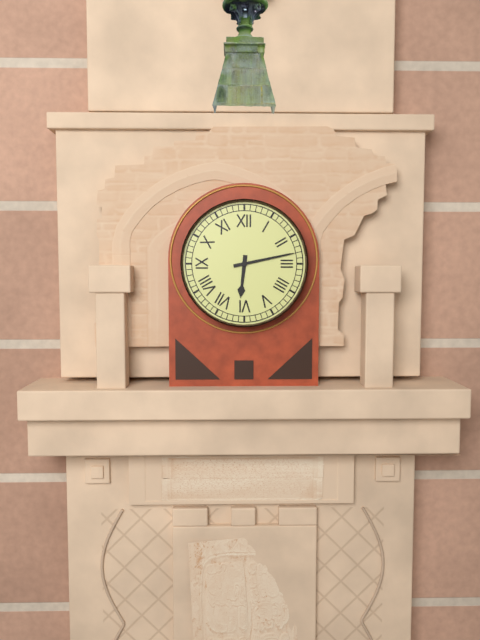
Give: 6h13
